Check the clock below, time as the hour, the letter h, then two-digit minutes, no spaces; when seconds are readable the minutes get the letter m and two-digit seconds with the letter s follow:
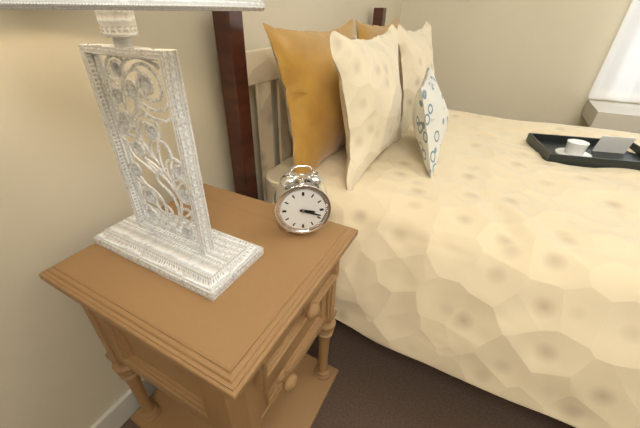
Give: 3h18
